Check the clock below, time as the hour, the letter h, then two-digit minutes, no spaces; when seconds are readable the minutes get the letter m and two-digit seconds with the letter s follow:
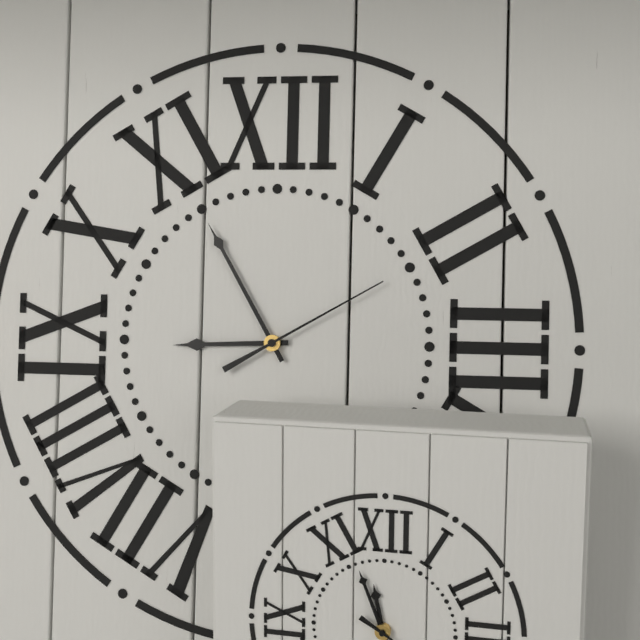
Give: 8h55m10s
